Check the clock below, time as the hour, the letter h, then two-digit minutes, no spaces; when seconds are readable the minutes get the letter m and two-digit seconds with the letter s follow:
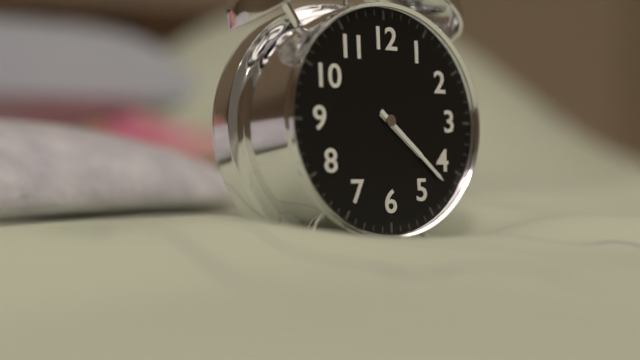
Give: 4h22
